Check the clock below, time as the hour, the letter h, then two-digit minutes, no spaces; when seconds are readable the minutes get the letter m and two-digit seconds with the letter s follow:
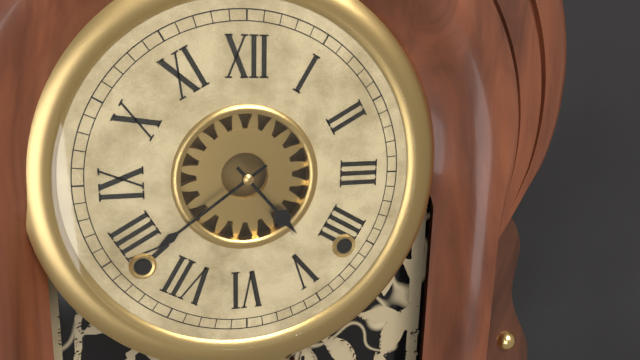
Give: 4h39
